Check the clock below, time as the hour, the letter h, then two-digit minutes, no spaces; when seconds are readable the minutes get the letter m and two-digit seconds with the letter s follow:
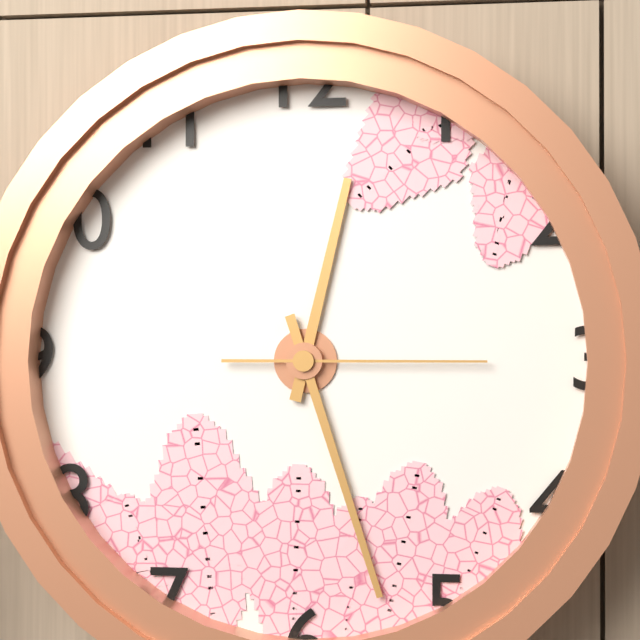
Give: 12h27m15s
